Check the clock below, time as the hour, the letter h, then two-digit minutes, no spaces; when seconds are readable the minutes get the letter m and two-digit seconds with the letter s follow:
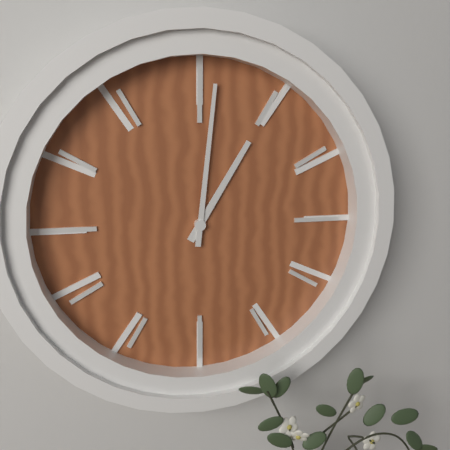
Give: 1h01
